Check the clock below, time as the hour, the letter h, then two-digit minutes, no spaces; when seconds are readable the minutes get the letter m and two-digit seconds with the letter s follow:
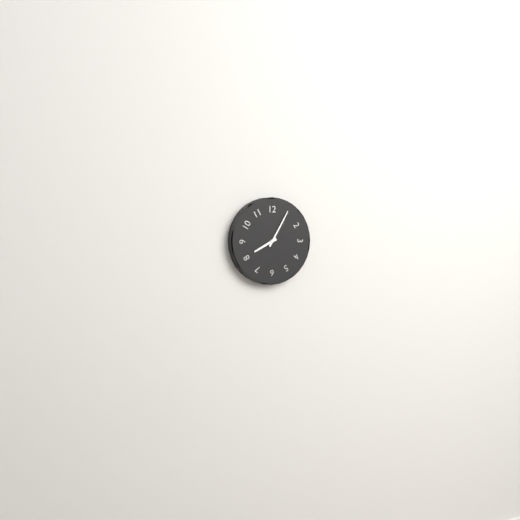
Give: 8h05
